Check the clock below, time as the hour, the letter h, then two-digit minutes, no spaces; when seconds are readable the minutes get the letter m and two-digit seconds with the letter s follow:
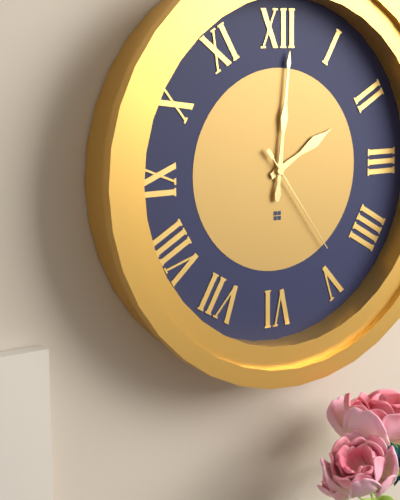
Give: 2h01m24s
